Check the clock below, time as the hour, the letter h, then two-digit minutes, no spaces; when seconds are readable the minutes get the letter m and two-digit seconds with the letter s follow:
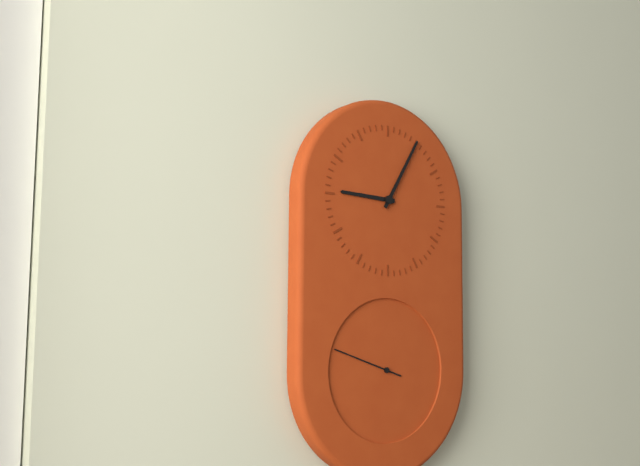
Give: 9h05m48s
